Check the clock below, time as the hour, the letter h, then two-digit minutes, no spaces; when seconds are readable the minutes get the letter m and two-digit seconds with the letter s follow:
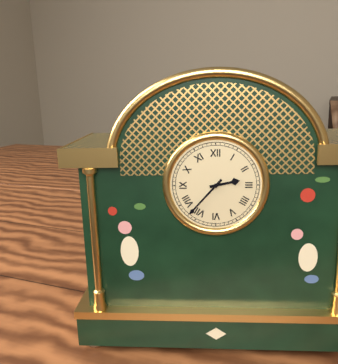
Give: 2h37
